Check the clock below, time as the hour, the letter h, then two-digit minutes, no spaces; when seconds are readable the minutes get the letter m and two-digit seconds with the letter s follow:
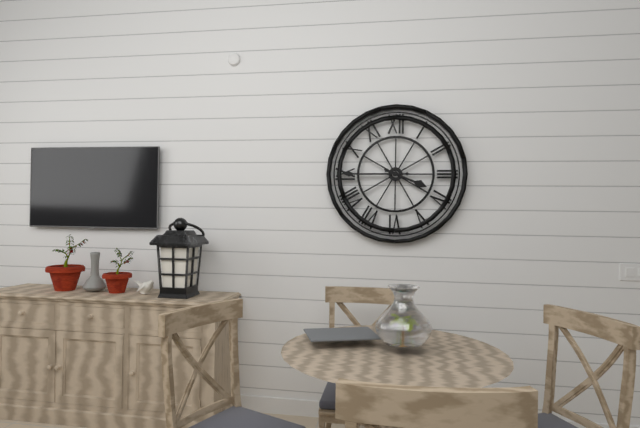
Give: 3h45
